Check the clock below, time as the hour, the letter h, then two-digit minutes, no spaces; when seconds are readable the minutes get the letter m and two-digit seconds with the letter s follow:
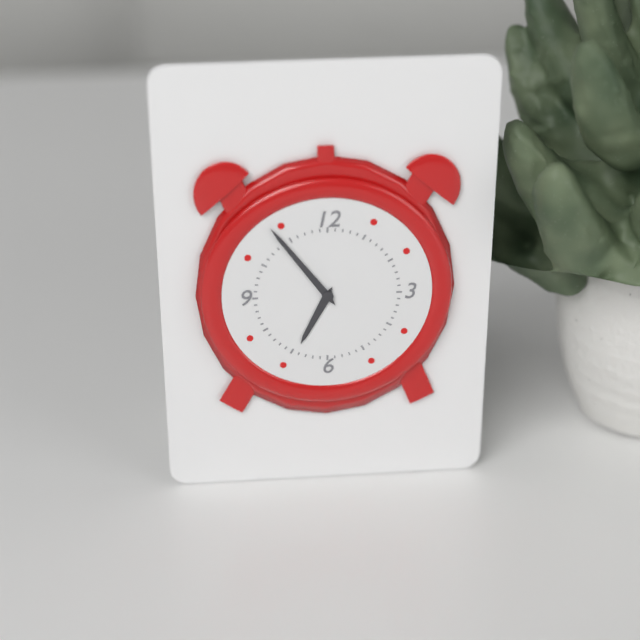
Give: 6h54
